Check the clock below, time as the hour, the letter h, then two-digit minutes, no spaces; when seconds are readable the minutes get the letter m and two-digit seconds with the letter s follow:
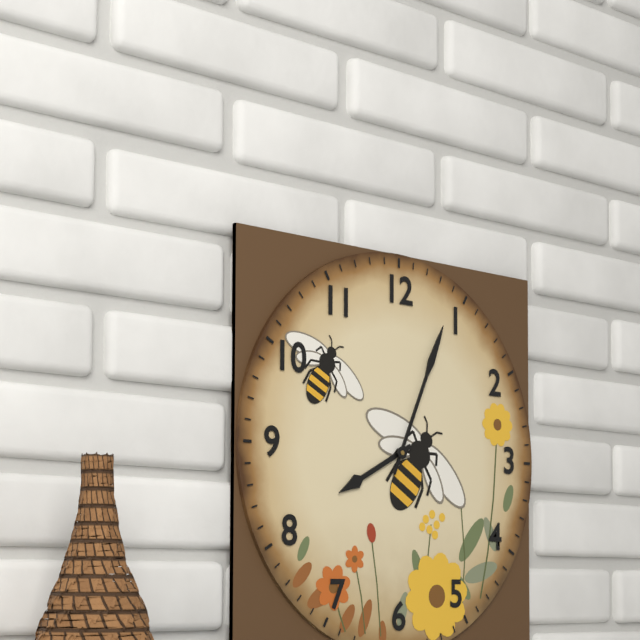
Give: 8h04
